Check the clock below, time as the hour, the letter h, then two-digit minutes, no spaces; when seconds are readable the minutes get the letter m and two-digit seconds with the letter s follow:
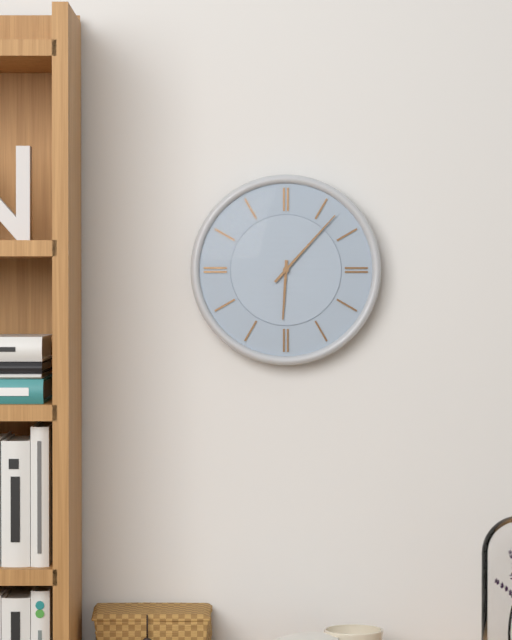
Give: 6h07
